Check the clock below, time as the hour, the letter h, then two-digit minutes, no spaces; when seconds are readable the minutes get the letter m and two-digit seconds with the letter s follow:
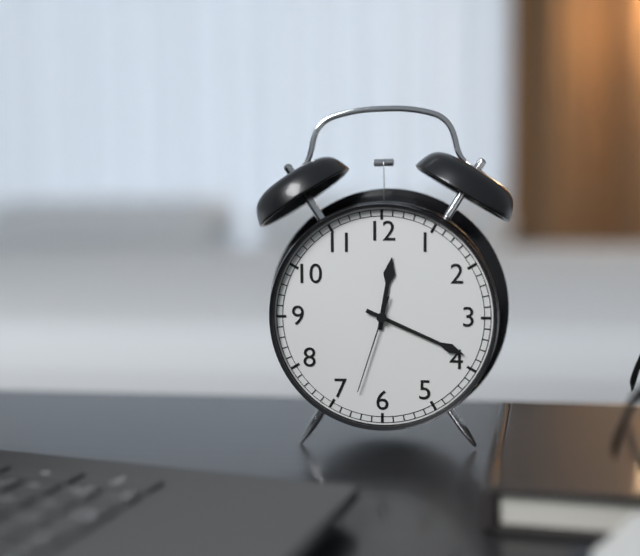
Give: 12h19m33s
